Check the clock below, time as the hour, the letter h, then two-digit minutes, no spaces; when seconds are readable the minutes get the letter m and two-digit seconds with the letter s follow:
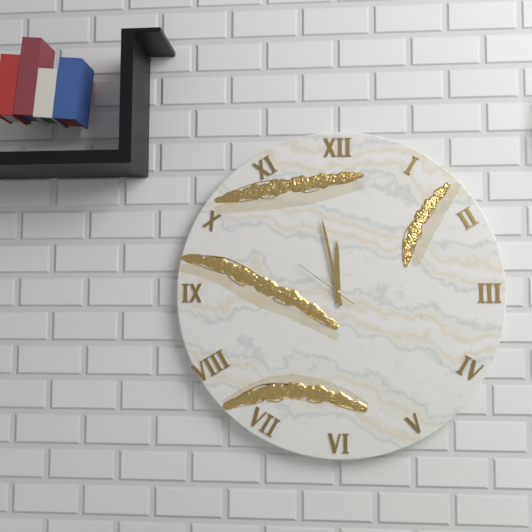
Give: 11h58m51s
